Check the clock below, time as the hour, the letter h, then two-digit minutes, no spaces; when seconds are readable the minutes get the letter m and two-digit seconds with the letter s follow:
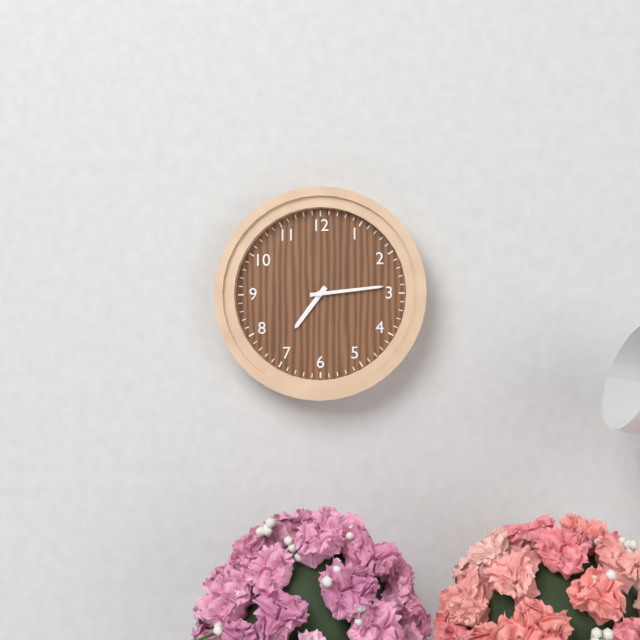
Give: 7h14
